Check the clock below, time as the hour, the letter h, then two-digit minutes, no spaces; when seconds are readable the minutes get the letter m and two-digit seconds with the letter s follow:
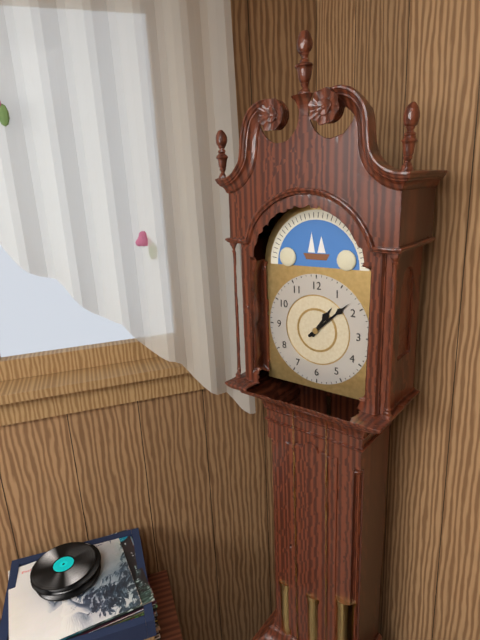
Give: 1h08
